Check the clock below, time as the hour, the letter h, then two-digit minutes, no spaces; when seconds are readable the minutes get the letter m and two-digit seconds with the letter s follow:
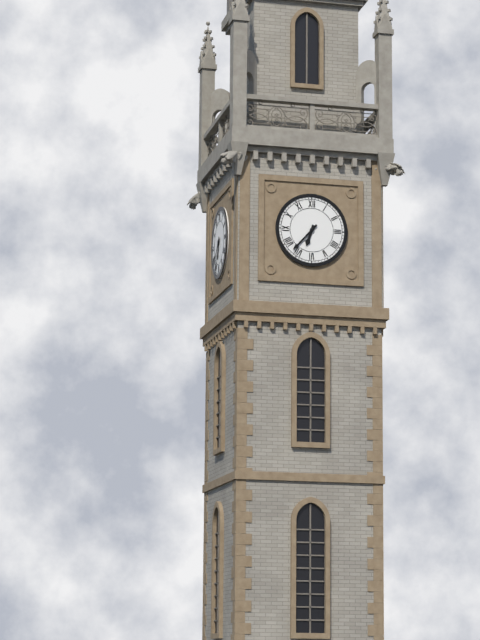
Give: 6h37
